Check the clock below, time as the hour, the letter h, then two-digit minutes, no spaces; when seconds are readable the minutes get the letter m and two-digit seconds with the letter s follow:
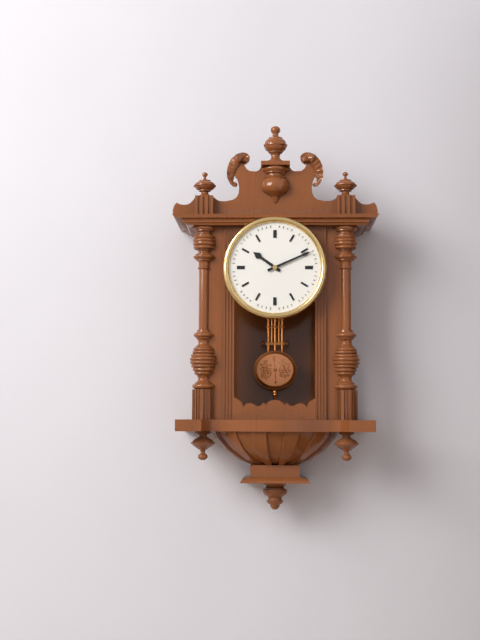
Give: 10h11
